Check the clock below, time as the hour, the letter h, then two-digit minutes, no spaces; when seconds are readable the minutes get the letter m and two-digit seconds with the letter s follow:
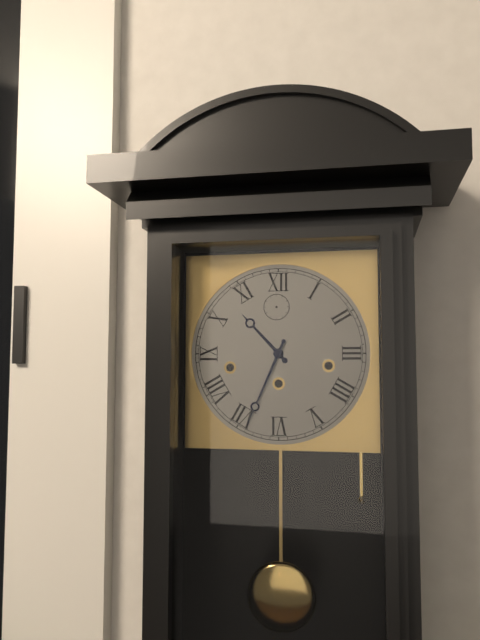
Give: 10h34
